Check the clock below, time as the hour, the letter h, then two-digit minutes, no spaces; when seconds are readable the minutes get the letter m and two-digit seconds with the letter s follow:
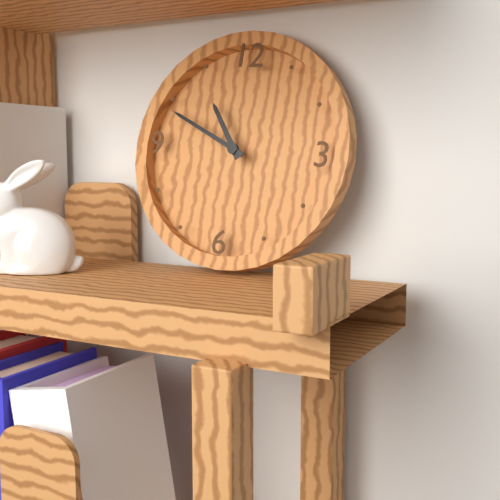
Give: 10h49
